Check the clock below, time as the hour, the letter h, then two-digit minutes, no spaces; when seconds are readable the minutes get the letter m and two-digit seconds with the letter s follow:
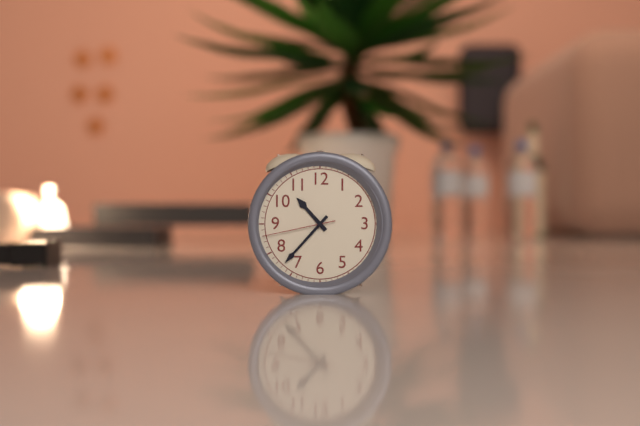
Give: 10h37m43s
